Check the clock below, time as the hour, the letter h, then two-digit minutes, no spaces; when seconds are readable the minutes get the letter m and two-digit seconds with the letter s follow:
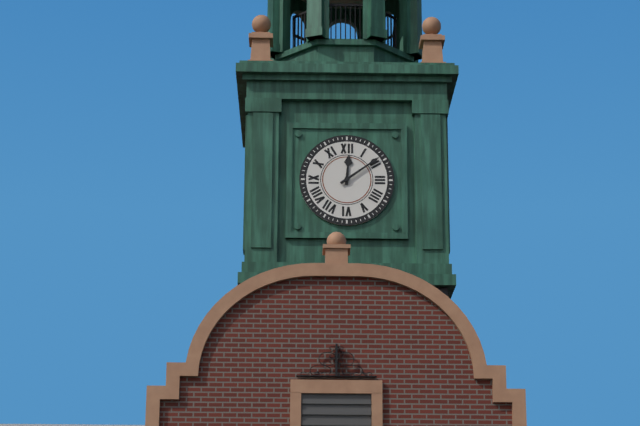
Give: 12h09
